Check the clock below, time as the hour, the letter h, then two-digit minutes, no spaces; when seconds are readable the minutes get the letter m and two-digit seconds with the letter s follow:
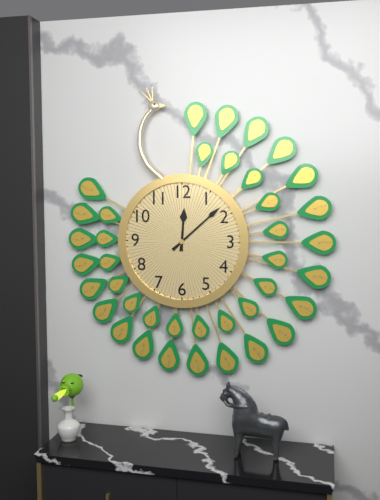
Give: 12h08
